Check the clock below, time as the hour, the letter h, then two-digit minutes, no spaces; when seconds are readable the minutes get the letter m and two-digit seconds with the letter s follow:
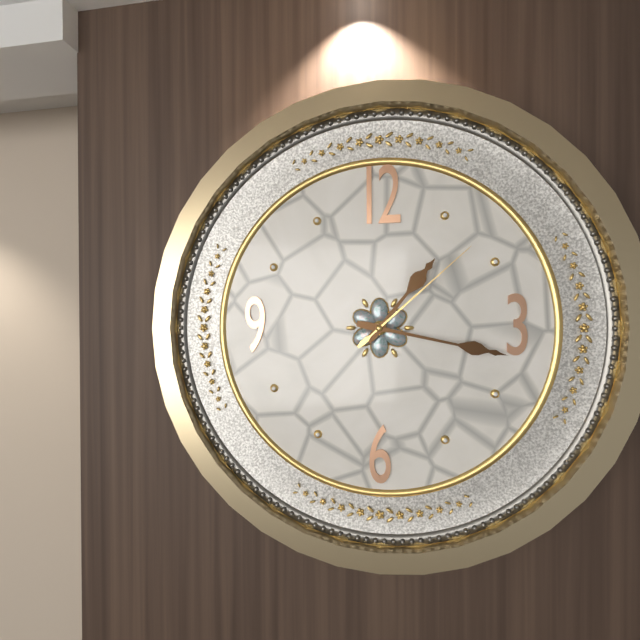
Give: 1h17m08s
